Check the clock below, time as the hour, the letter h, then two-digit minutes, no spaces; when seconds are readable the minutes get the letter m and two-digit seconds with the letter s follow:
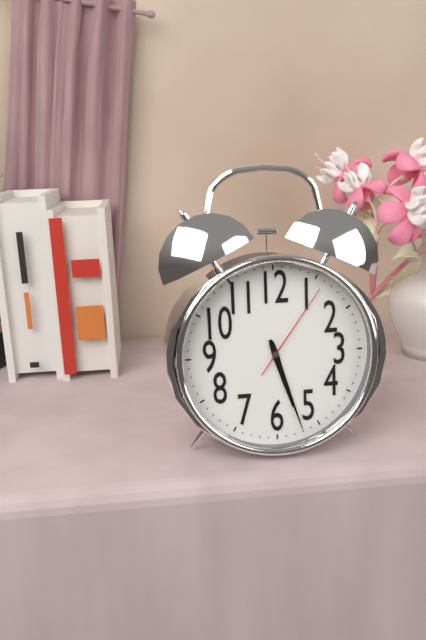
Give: 5h27m06s
